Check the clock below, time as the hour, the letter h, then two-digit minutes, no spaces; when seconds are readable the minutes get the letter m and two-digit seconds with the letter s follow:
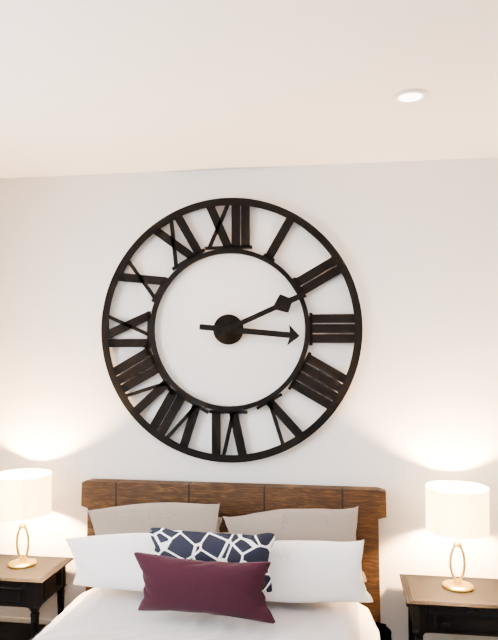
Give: 3h11
